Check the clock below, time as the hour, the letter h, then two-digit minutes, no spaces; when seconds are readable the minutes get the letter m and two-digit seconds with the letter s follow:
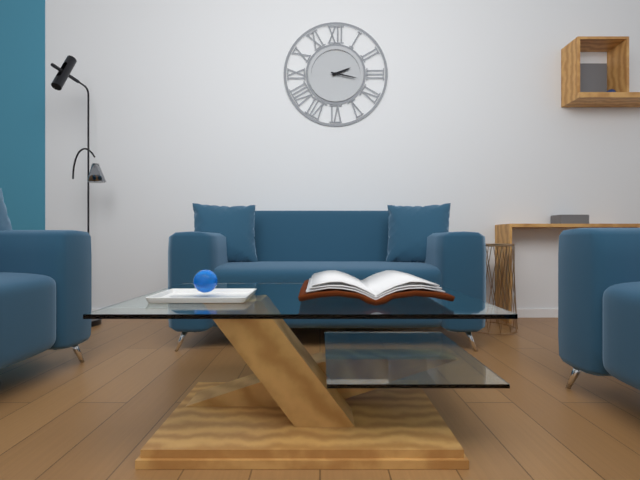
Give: 2h17
